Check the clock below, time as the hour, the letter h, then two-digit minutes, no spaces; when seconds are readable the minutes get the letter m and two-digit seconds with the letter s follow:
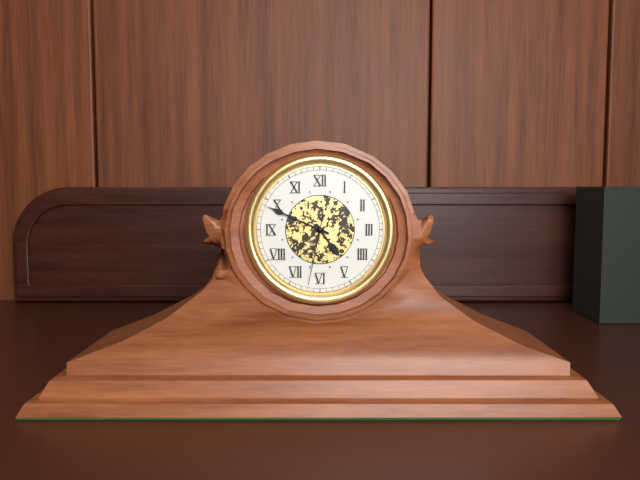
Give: 4h49m32s
